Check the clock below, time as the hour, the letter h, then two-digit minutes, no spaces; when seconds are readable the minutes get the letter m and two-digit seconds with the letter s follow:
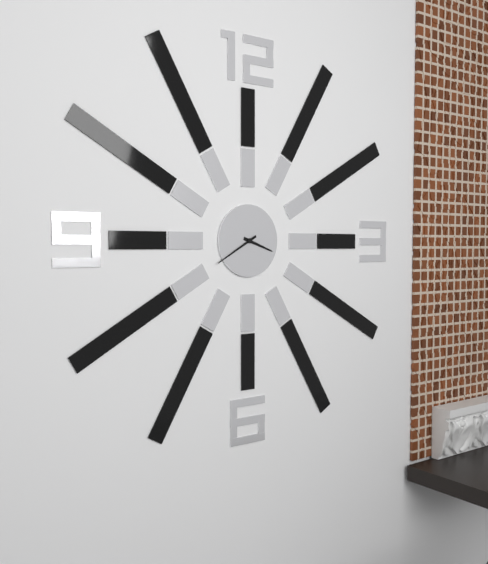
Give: 3h40
